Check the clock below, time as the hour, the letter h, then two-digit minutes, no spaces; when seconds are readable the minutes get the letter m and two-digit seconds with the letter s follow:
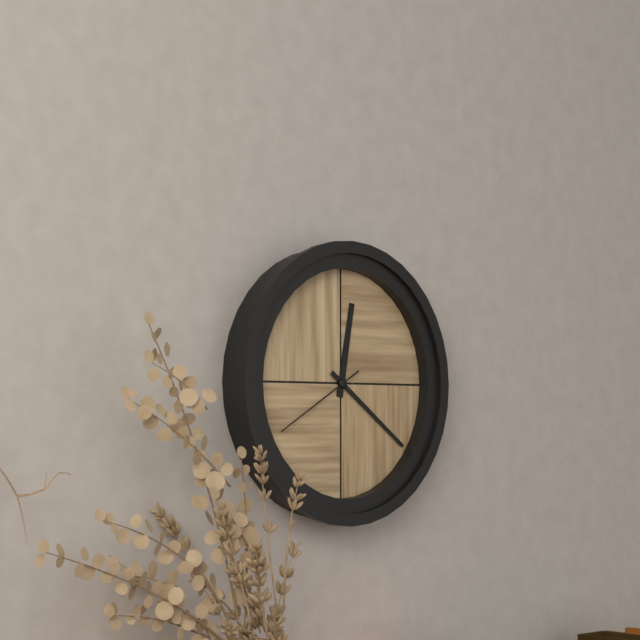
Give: 12h21m40s
